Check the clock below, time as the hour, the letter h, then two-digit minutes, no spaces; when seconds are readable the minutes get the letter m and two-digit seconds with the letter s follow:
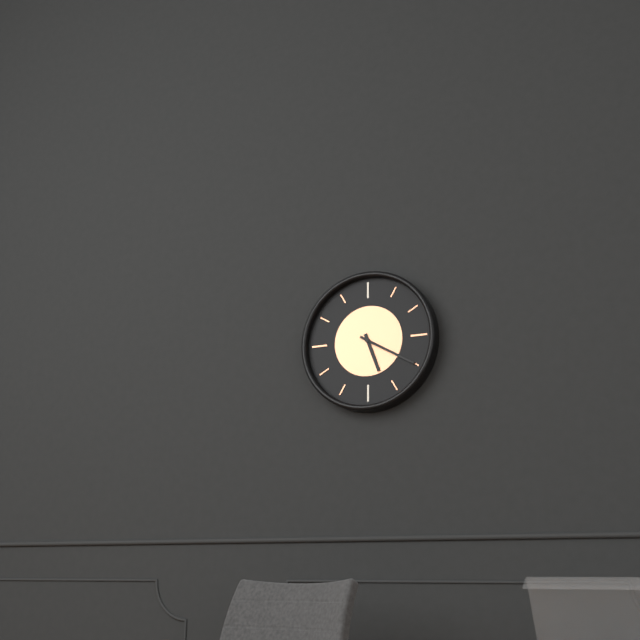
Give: 5h20
